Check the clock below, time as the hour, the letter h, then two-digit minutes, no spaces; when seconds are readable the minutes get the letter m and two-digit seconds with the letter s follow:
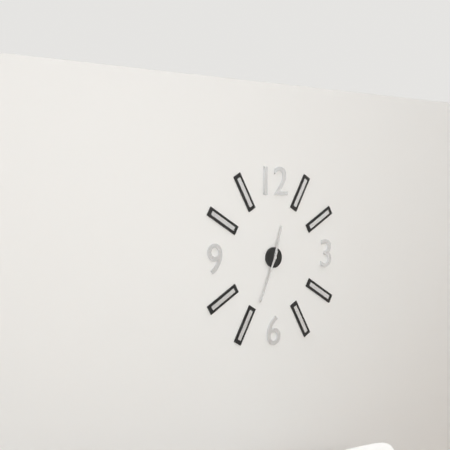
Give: 12h34
